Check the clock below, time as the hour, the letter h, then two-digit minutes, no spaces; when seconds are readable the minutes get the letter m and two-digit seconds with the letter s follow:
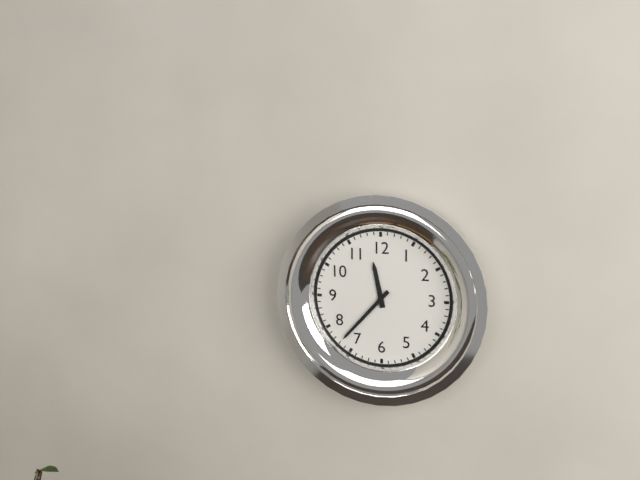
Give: 11h37
